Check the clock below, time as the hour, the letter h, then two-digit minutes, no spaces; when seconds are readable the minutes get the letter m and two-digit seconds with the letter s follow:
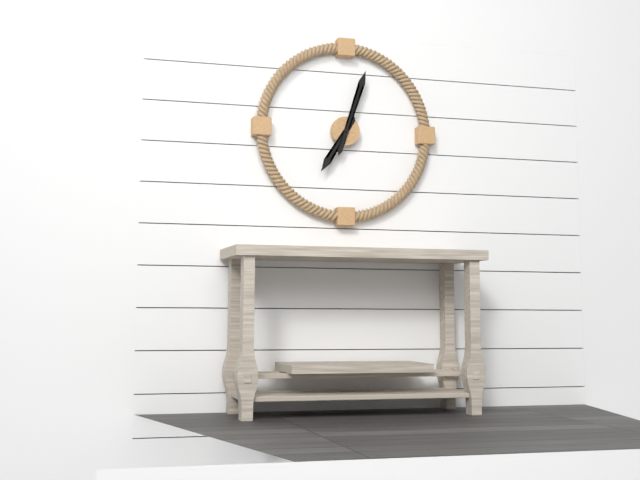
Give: 7h03
